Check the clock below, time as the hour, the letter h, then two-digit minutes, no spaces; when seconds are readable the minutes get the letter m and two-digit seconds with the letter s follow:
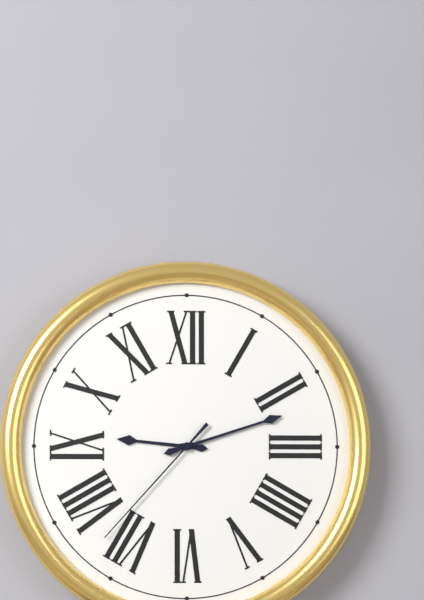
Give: 9h12m37s
